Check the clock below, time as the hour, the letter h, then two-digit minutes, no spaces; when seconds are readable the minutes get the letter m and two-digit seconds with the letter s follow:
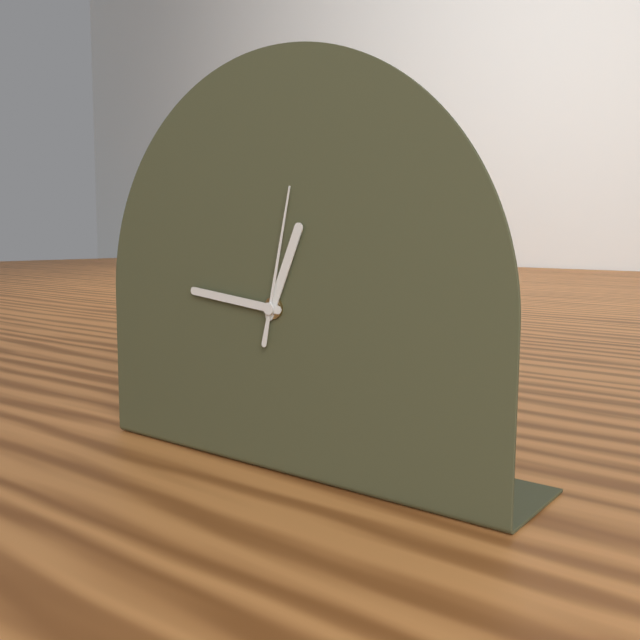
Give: 12h46m02s
